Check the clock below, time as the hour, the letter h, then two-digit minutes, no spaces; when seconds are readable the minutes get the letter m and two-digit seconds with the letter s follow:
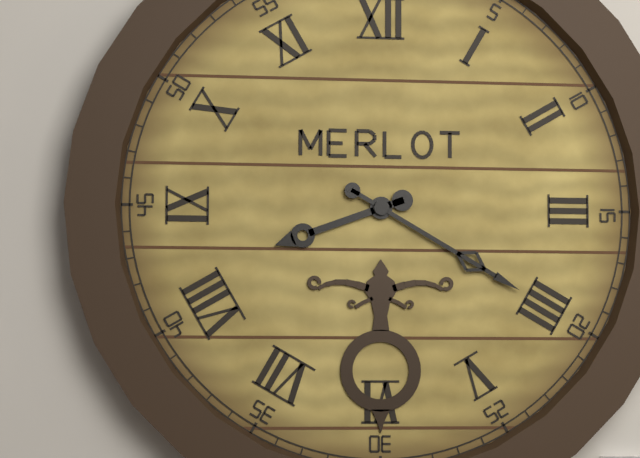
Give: 8h20
